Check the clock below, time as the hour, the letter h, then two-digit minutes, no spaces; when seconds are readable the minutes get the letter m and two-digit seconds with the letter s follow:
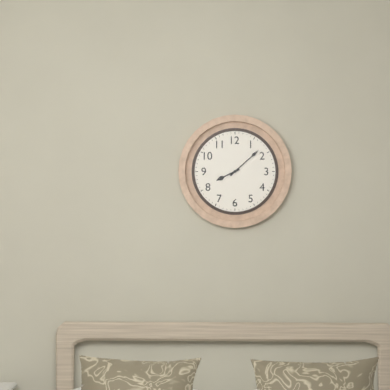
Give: 8h08
